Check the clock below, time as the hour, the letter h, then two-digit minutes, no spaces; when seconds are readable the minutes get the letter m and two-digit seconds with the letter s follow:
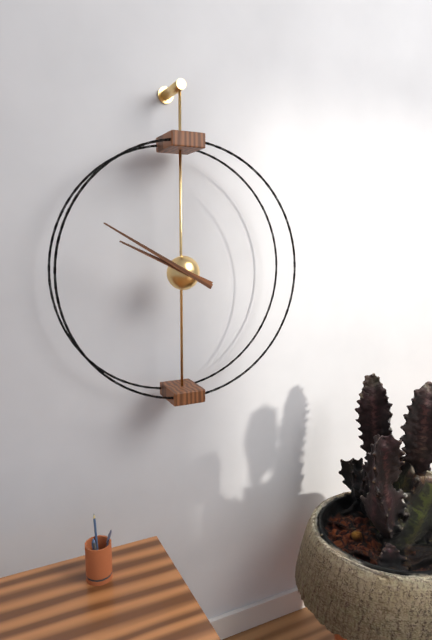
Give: 9h50
